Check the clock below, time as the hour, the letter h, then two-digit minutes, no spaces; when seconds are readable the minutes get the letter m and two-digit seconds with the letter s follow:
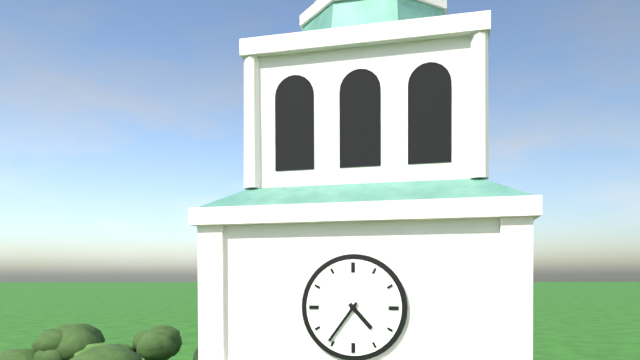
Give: 4h36
